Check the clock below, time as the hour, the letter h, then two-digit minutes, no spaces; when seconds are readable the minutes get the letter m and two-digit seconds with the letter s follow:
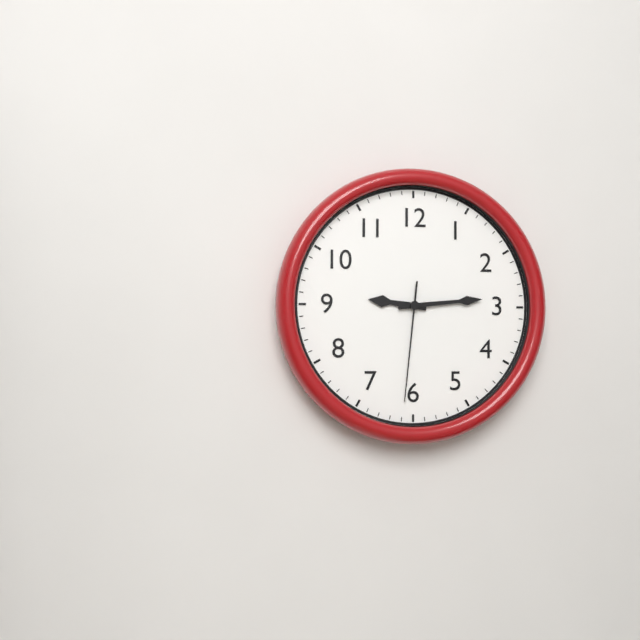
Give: 9h14m31s
